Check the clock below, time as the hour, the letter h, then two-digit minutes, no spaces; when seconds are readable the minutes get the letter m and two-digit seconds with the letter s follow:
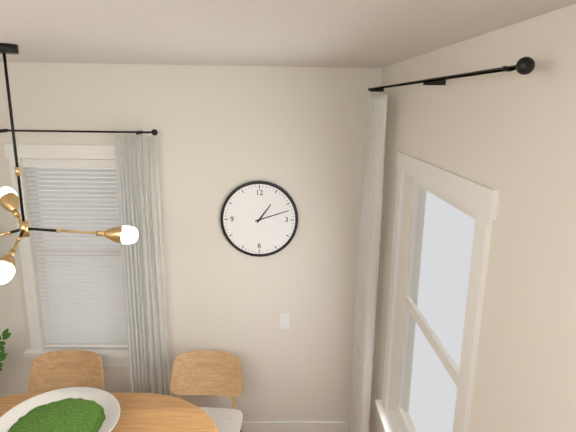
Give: 1h12
